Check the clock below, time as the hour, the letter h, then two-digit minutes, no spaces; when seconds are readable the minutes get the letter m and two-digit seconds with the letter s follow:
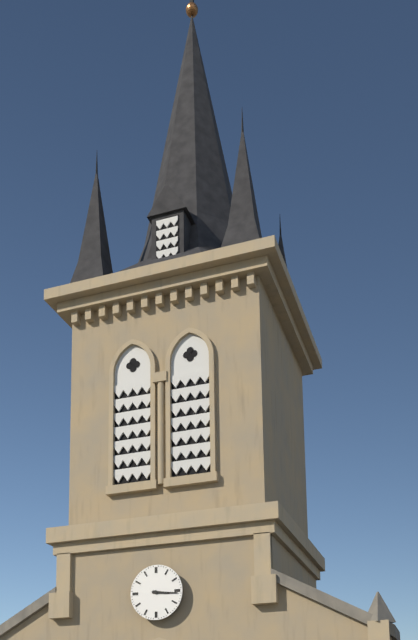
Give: 3h16
